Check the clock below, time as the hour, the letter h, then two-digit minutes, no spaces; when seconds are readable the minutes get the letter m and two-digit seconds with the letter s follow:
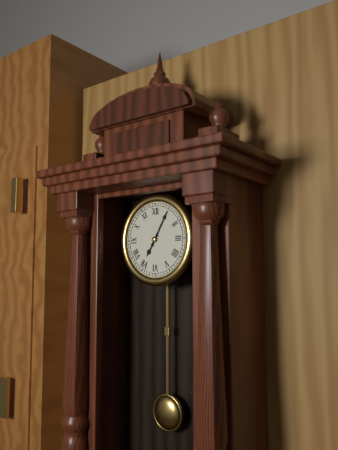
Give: 7h05
